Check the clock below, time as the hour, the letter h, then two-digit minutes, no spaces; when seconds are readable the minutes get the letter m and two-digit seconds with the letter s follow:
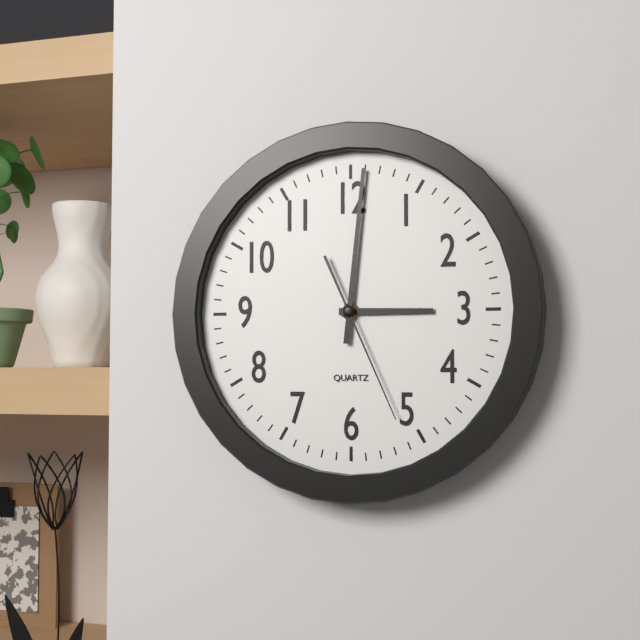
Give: 3h01m26s
